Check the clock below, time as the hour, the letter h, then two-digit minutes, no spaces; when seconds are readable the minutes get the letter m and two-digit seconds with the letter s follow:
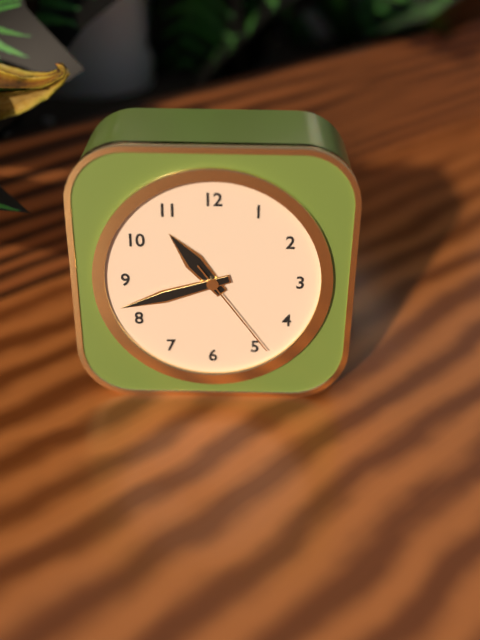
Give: 10h42m24s
